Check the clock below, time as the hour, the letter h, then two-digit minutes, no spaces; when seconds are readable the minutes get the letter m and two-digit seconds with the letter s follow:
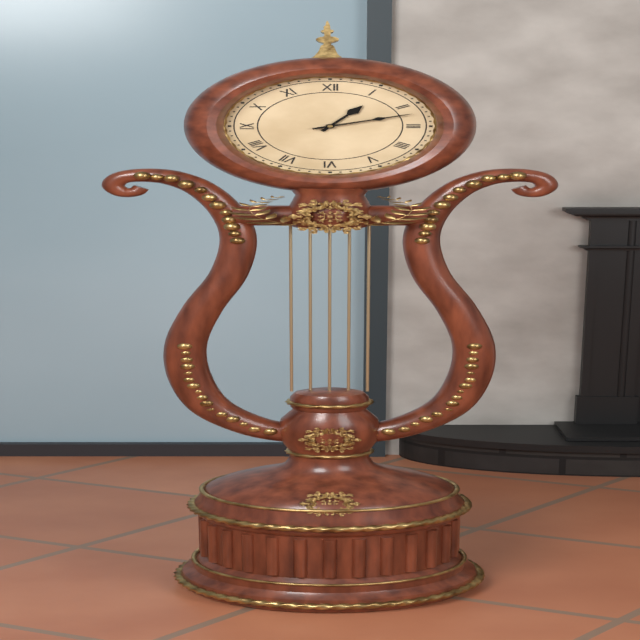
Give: 1h12
